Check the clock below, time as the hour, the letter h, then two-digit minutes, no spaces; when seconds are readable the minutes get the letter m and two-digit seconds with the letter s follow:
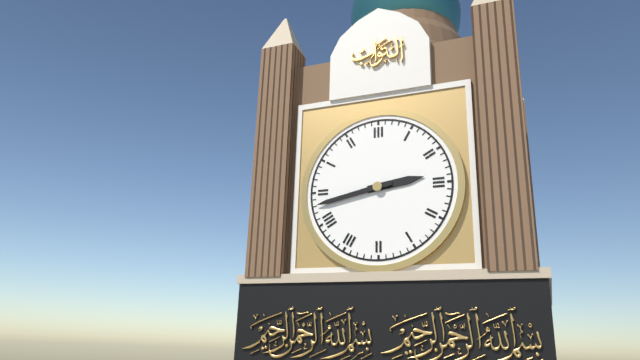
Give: 2h43
